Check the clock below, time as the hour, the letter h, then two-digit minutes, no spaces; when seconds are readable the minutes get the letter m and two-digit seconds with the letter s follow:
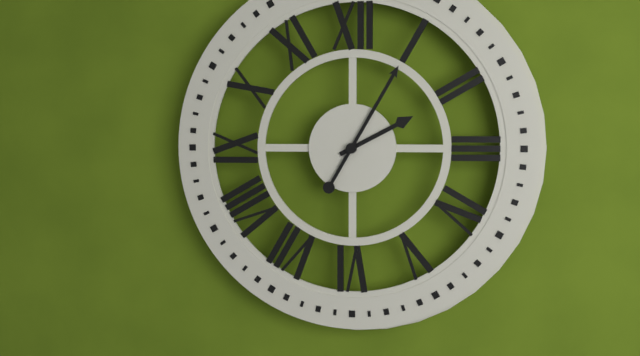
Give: 2h05
